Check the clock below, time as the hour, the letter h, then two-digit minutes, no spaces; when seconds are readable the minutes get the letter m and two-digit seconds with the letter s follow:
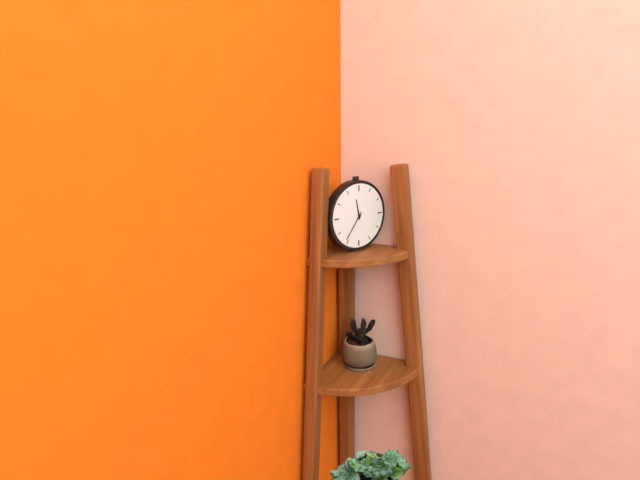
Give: 11h36
